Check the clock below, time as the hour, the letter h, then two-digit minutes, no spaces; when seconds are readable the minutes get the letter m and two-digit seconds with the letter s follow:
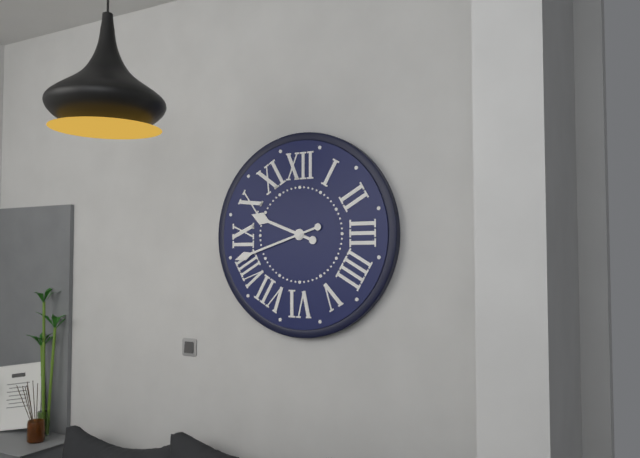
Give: 9h42
